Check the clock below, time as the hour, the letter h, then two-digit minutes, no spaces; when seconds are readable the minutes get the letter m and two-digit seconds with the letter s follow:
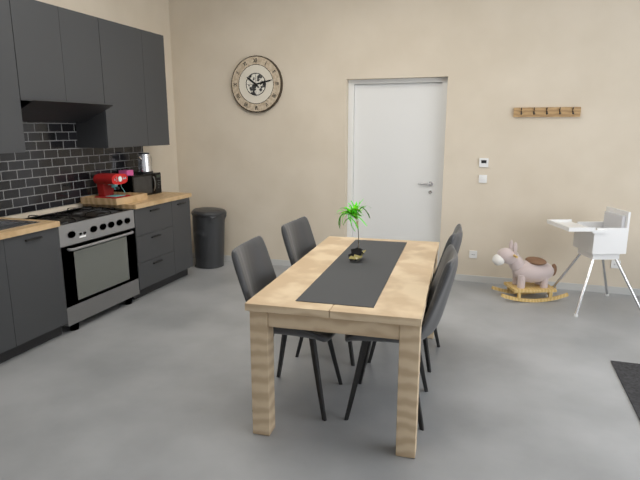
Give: 10h13
